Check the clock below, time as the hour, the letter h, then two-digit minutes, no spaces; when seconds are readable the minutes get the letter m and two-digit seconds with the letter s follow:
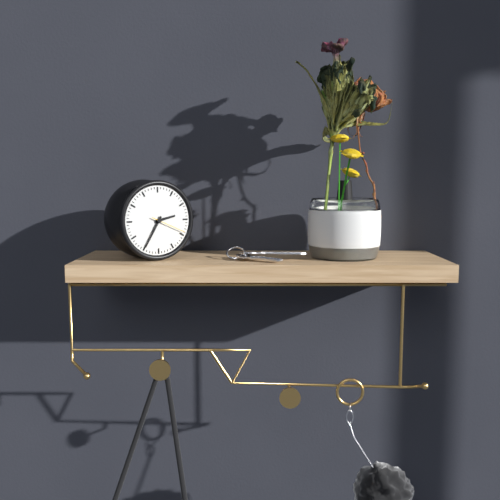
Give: 2h35
